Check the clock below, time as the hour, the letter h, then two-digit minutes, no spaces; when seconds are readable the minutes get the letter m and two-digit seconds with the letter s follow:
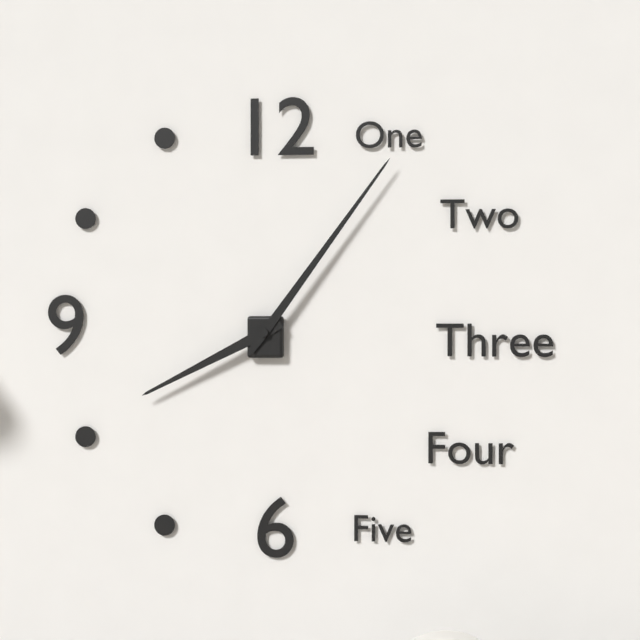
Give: 8h06
